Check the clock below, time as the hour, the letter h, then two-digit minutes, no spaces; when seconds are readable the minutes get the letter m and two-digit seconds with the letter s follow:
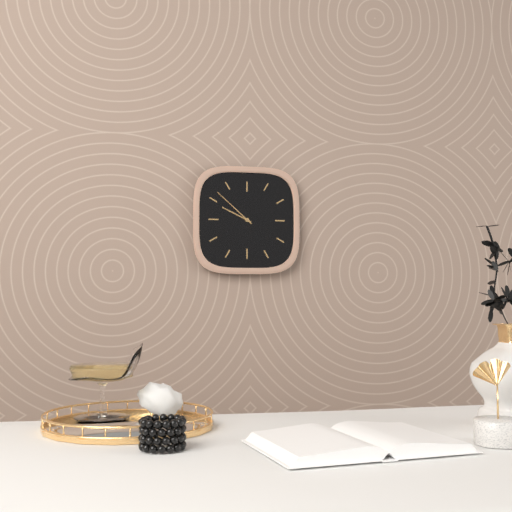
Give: 9h52
